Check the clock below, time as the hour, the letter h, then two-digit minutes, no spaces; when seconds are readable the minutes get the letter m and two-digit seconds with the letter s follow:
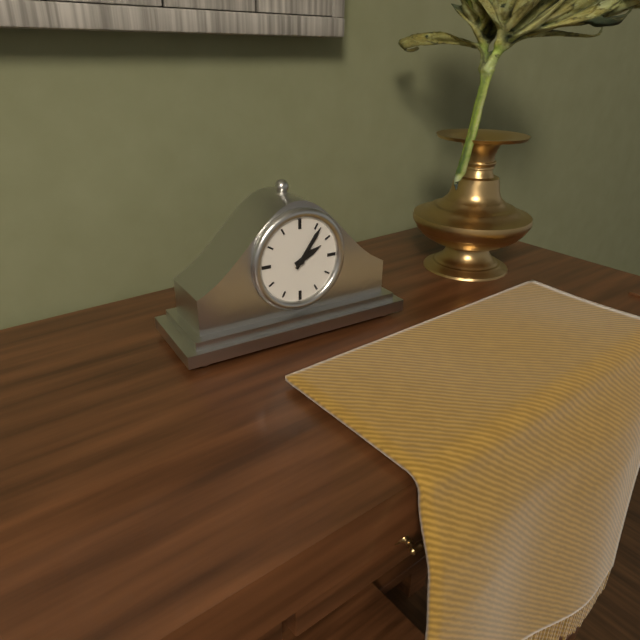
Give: 2h06
